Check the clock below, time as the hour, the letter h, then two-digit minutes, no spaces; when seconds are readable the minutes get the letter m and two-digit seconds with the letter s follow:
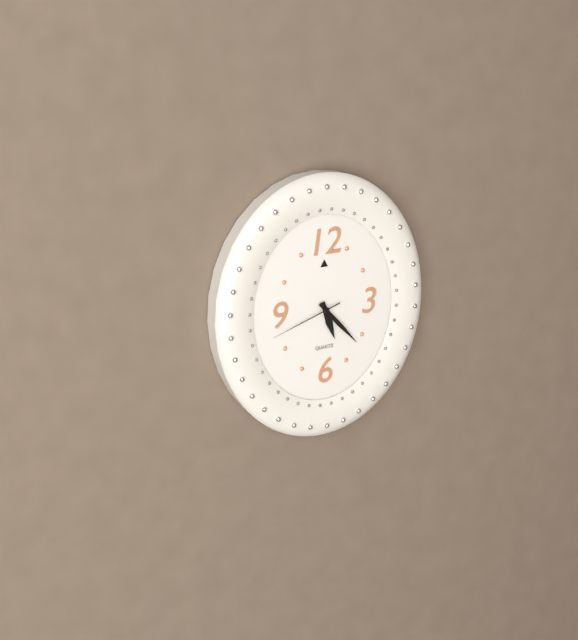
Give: 5h23m42s
